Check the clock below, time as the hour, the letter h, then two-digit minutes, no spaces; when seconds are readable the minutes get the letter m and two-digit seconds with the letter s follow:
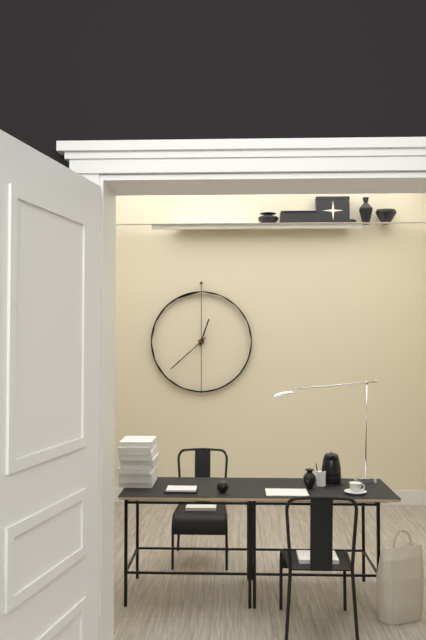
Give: 12h38
